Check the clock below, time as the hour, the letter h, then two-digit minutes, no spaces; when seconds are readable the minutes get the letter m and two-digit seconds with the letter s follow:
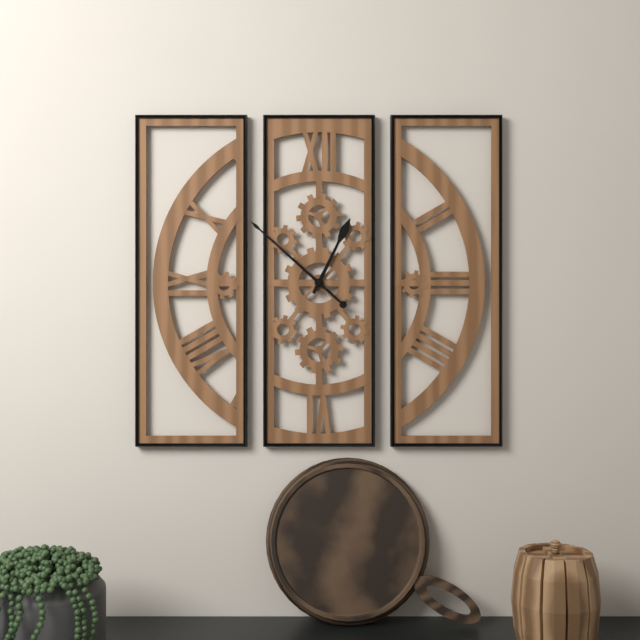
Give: 12h52
